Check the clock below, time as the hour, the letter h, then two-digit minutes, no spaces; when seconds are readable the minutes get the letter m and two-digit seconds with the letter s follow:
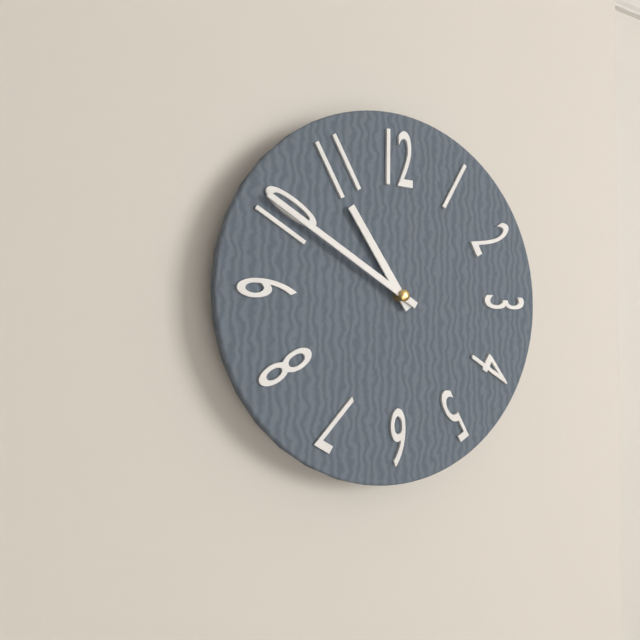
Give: 10h50
